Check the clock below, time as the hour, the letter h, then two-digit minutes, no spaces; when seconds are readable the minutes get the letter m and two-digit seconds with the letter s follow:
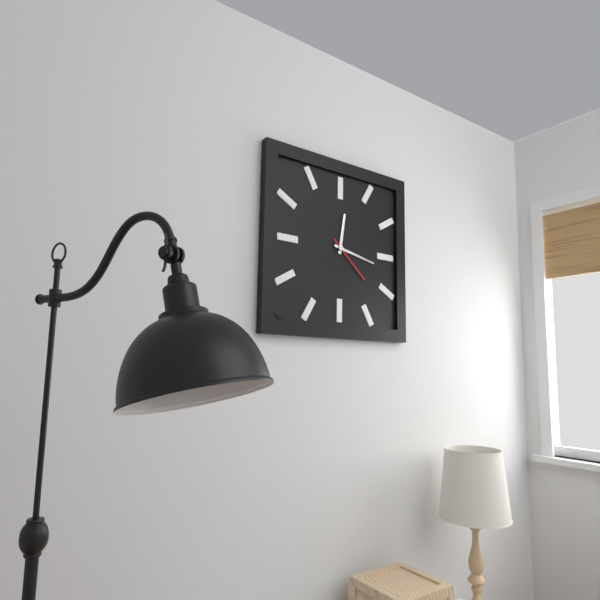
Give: 12h17m22s
